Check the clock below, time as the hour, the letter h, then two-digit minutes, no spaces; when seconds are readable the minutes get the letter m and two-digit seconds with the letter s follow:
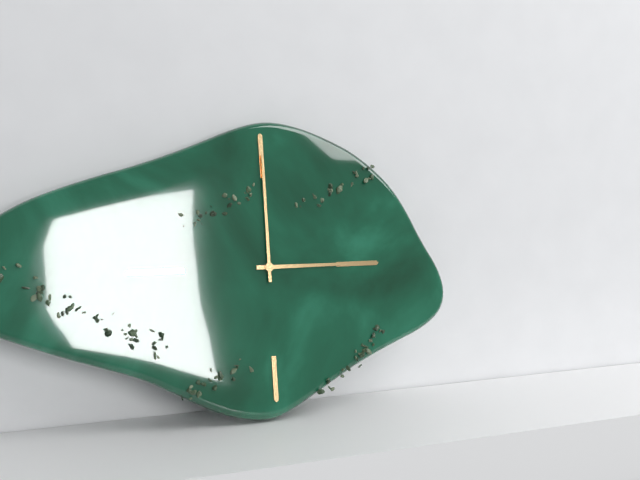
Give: 3h00
